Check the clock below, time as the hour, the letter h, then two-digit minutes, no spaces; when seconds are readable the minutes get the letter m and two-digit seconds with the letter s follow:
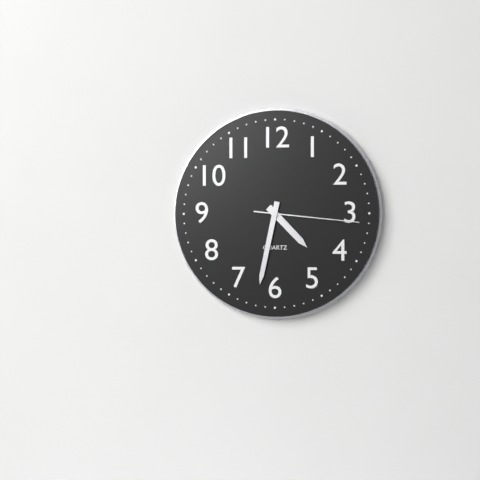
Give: 4h32m16s
